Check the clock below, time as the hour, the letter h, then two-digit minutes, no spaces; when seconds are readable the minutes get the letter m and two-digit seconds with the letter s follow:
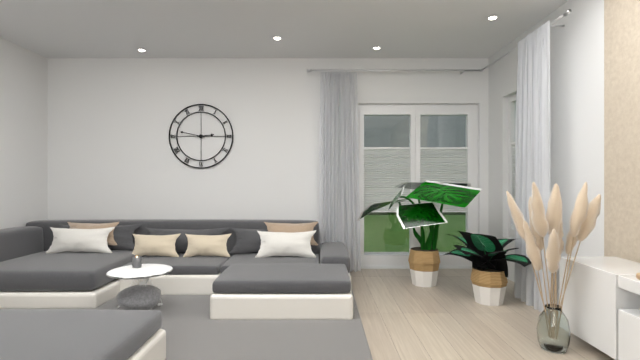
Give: 2h47
